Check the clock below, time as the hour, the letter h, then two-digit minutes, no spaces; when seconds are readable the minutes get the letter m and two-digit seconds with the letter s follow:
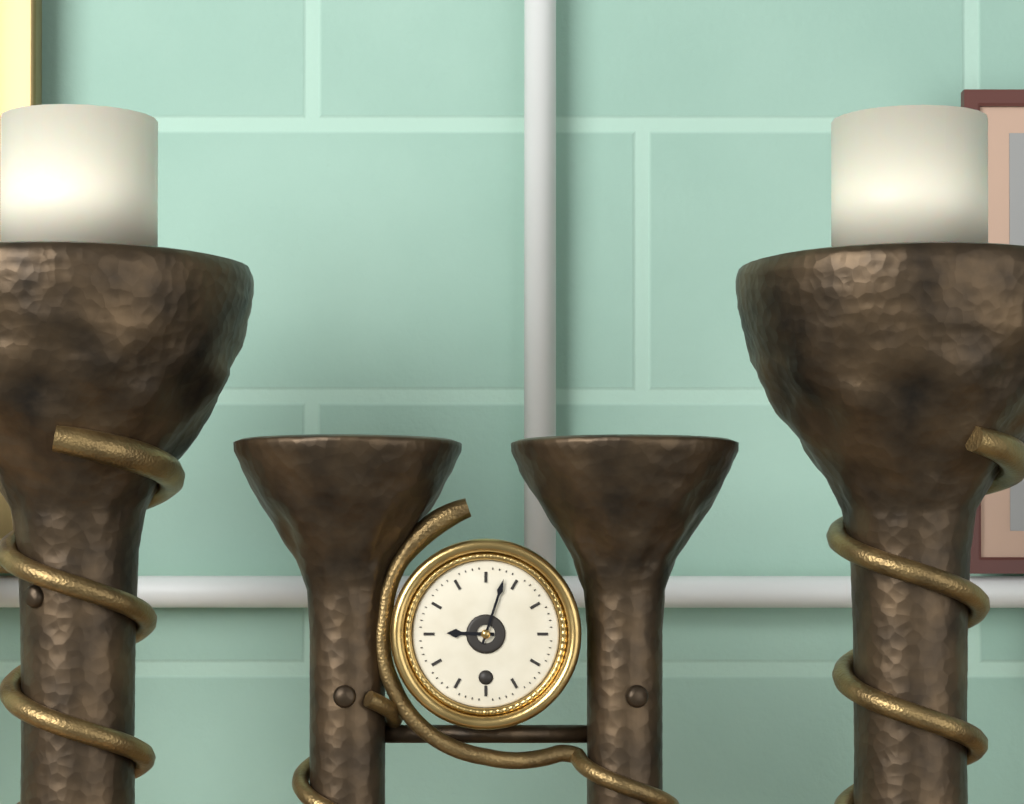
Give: 9h03
